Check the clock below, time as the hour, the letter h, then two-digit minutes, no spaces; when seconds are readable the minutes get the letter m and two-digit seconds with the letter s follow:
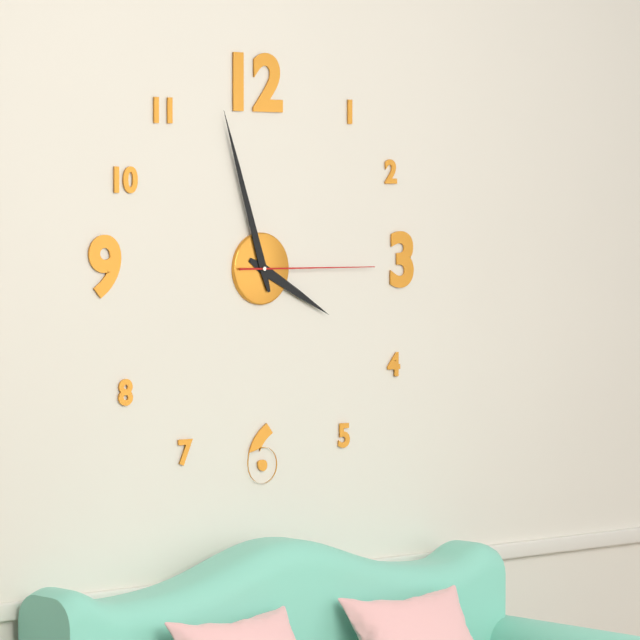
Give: 3h57m15s
